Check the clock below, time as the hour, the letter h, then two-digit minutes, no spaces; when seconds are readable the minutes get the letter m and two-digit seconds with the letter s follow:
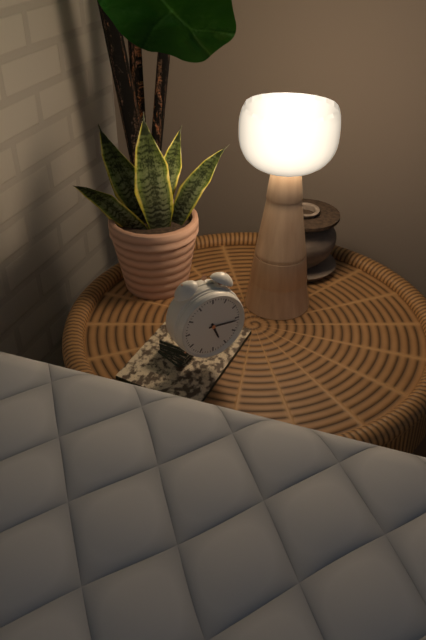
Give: 5h16
